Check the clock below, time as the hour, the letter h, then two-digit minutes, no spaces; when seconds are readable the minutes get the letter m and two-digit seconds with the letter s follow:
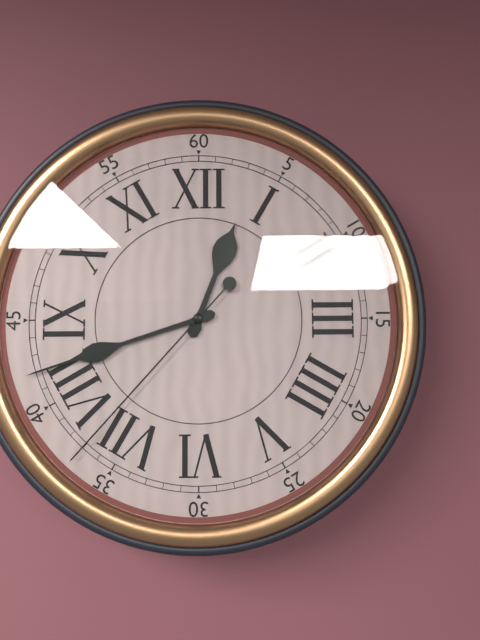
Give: 12h42m37s
